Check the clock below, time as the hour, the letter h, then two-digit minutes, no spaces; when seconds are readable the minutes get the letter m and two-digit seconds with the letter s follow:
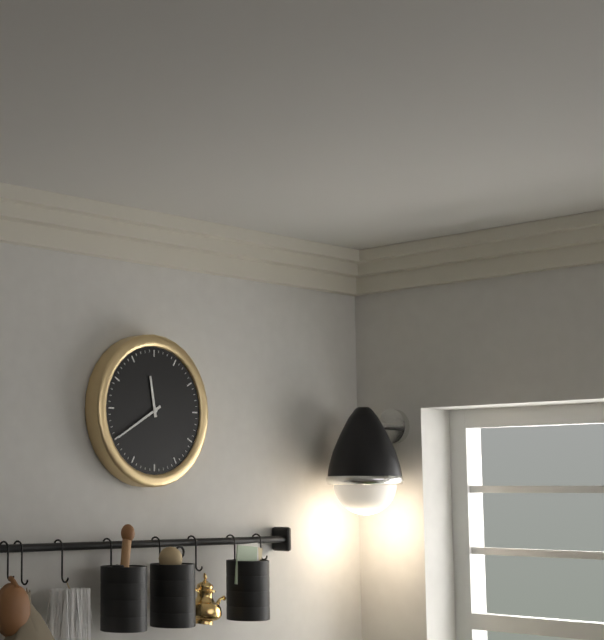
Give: 11h40
